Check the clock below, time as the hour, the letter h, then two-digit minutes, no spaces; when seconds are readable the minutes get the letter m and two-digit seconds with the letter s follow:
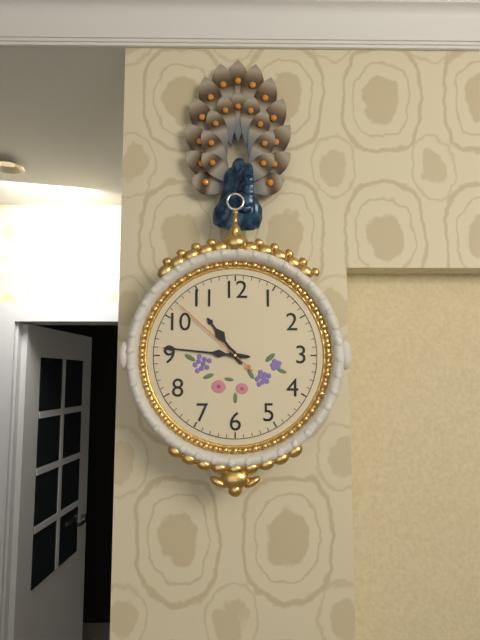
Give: 10h46m52s
